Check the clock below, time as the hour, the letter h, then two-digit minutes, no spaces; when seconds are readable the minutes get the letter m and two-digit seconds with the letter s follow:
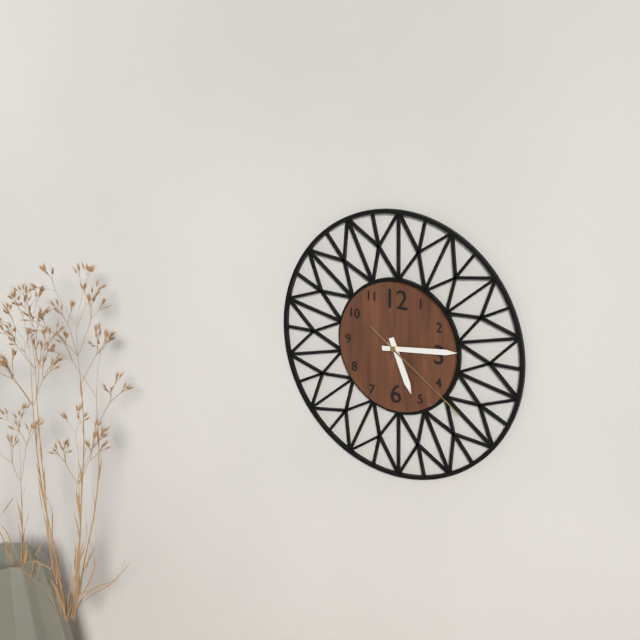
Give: 5h14m21s
